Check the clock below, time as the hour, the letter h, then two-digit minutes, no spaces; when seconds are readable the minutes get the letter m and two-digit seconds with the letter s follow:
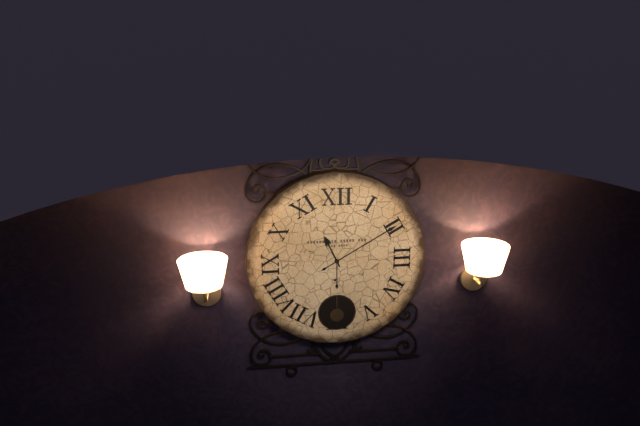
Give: 11h10
